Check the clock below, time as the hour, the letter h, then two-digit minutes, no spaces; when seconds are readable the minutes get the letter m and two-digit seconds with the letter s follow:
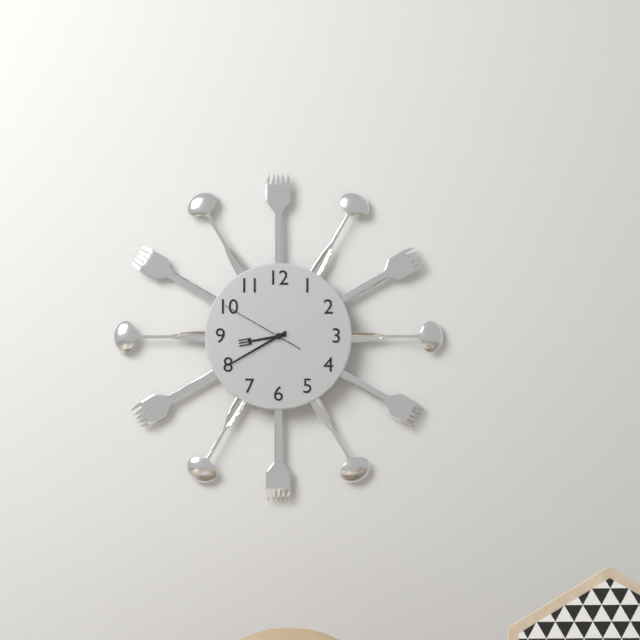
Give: 8h40m50s
